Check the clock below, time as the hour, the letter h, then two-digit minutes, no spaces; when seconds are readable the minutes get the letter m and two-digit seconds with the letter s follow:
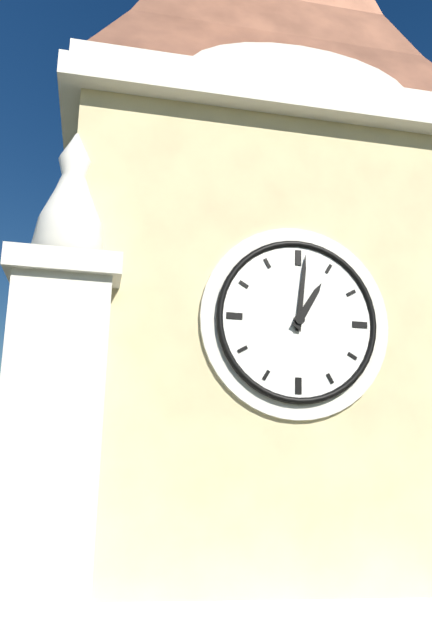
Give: 1h01
